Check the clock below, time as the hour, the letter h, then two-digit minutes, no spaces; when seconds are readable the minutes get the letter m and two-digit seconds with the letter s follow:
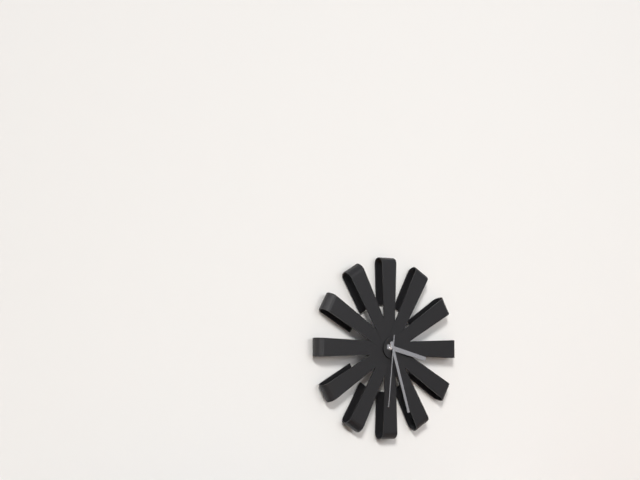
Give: 3h27m31s
